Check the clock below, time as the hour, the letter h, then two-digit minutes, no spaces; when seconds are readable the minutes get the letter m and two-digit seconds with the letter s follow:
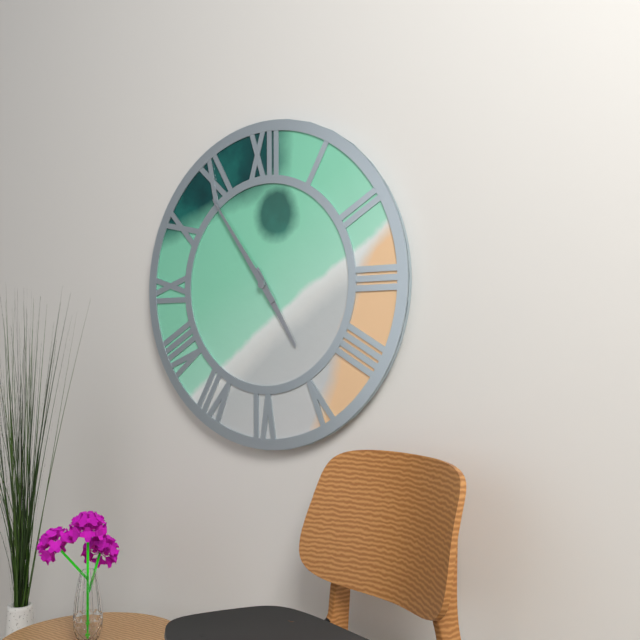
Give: 4h54
